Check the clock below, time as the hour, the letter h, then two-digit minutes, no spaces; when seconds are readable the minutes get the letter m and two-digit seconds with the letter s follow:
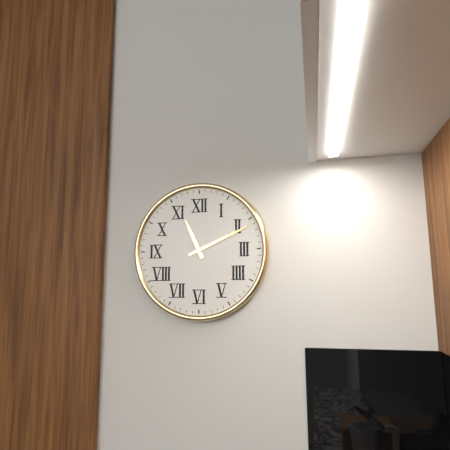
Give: 11h11
